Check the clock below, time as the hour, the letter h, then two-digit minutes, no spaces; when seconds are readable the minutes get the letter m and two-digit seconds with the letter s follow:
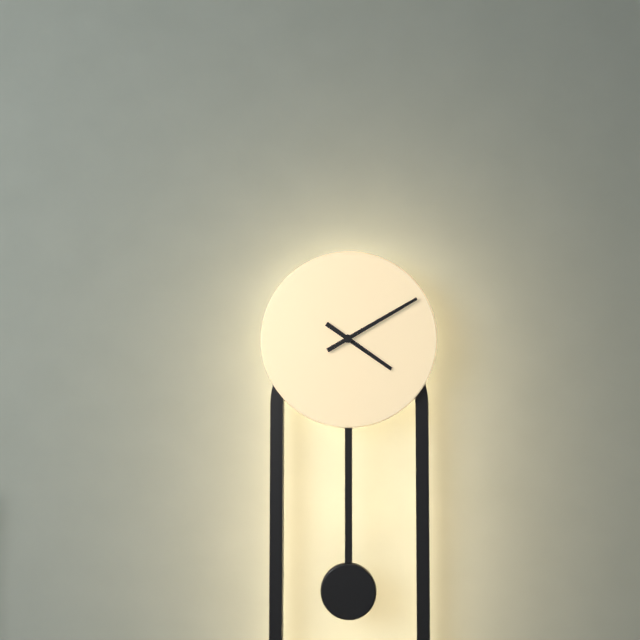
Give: 4h10
